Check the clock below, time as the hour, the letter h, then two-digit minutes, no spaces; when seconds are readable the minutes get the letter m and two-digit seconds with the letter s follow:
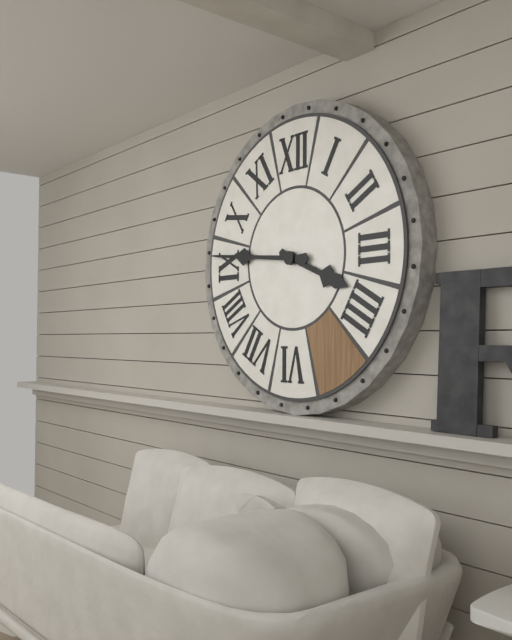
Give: 3h46
